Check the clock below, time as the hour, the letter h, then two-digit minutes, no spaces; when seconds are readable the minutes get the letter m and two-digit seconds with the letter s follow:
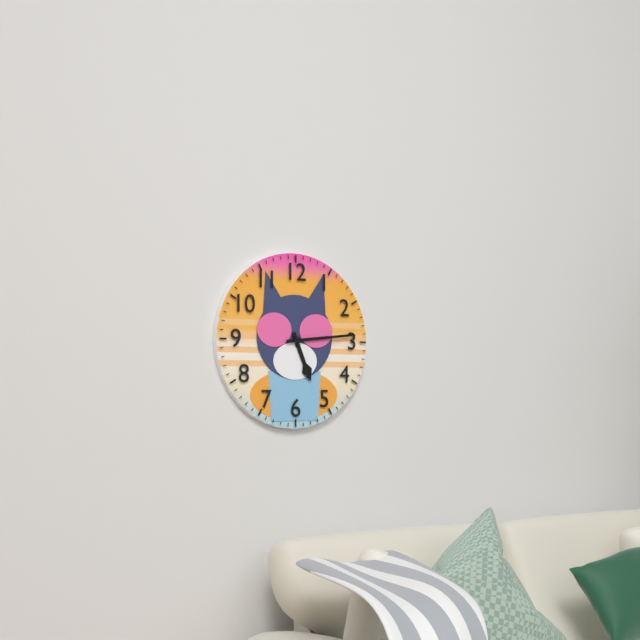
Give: 5h14
